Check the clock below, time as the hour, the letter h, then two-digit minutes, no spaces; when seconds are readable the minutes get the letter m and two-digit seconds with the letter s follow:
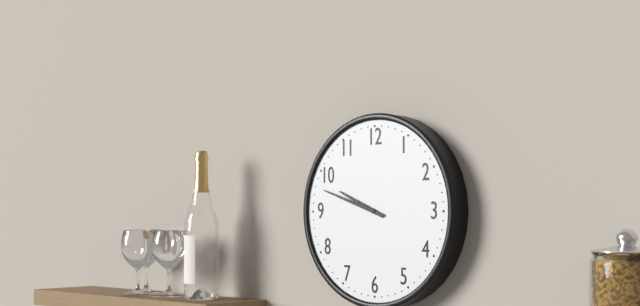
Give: 9h48
